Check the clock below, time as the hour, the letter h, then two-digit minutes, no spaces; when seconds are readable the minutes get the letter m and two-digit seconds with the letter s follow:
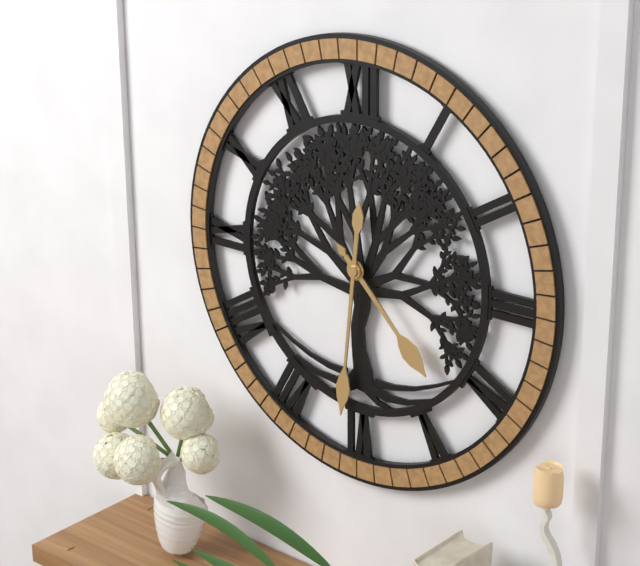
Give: 4h31
